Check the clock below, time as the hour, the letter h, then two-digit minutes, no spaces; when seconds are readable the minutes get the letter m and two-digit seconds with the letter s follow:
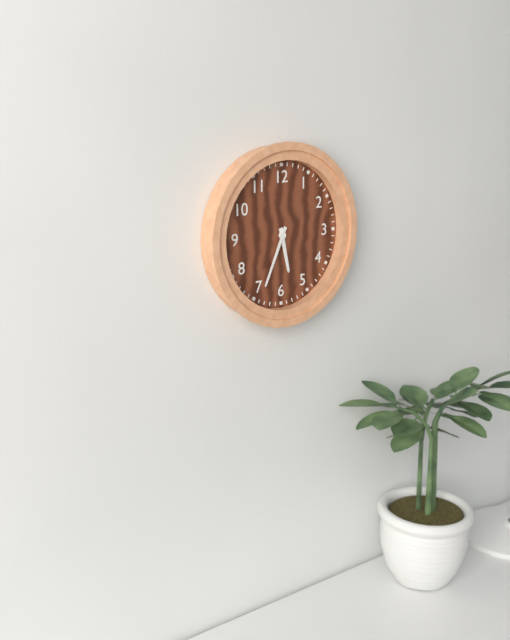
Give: 5h34
